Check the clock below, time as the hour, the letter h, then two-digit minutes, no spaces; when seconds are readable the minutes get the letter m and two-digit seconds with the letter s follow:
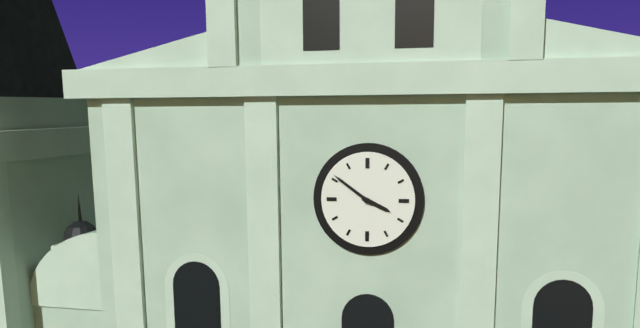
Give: 3h51
